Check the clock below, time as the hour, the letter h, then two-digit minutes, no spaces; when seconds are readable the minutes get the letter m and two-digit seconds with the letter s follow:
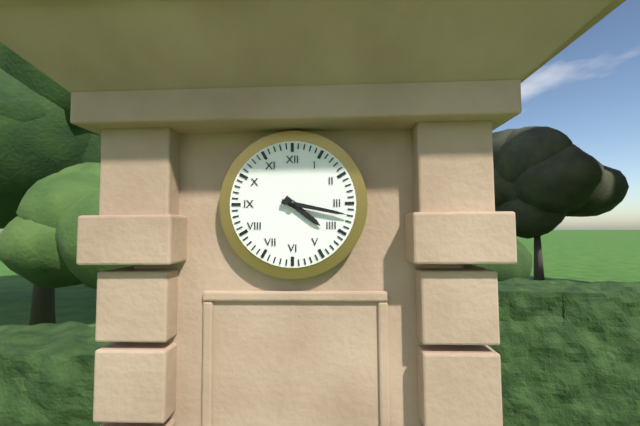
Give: 4h17
